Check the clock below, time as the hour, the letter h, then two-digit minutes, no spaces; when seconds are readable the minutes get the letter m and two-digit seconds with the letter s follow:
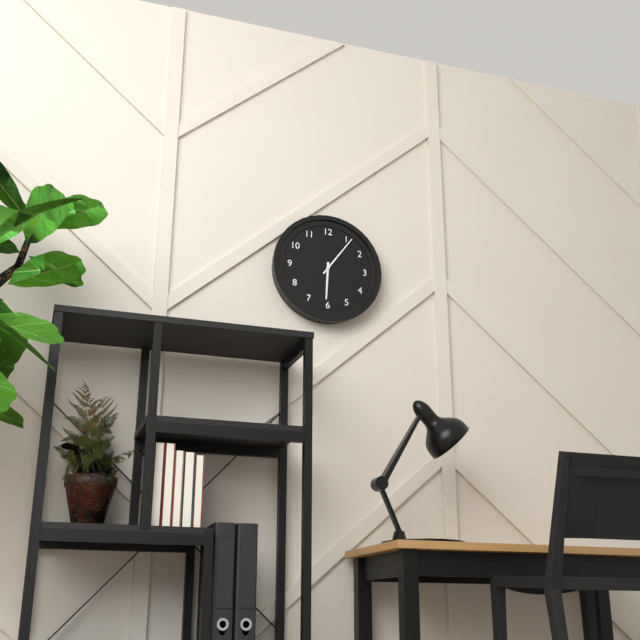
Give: 6h06
